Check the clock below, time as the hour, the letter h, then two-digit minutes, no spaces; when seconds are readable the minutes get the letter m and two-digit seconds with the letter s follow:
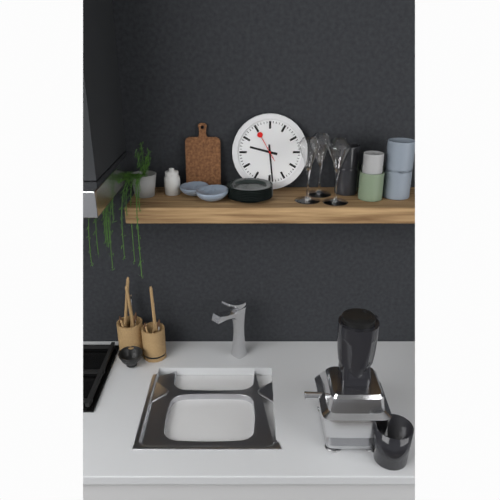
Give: 9h29
